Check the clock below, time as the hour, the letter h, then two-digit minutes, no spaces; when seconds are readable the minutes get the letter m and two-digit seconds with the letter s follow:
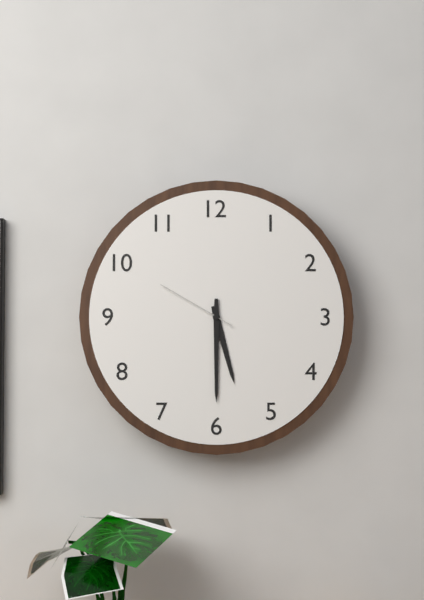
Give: 5h30m50s
